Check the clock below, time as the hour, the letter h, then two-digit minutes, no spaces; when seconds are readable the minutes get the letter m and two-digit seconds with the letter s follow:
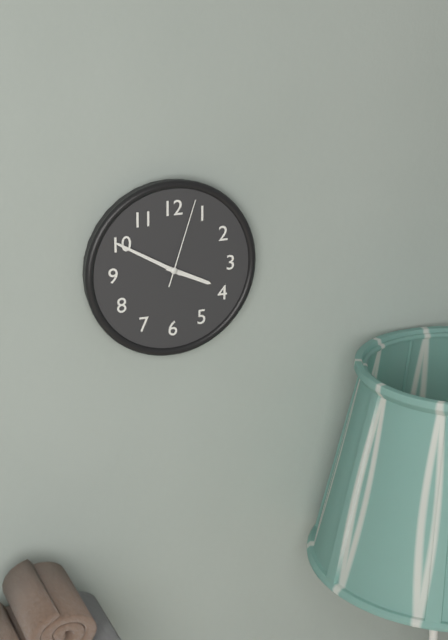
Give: 3h50m03s
